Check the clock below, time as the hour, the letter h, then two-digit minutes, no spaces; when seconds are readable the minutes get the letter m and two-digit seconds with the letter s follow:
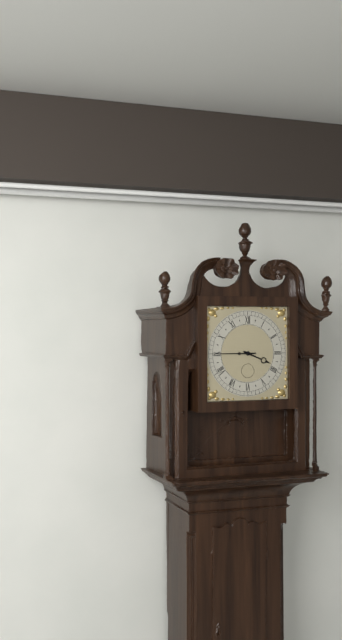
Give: 3h45
